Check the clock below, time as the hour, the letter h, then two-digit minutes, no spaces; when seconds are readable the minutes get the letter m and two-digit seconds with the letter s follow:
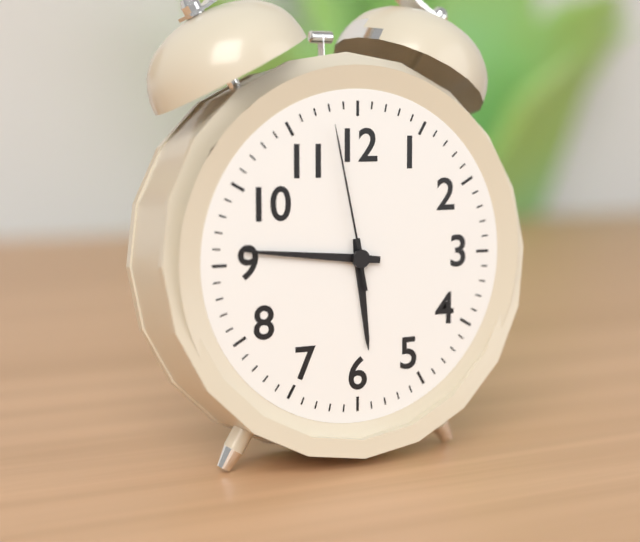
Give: 5h46m58s
